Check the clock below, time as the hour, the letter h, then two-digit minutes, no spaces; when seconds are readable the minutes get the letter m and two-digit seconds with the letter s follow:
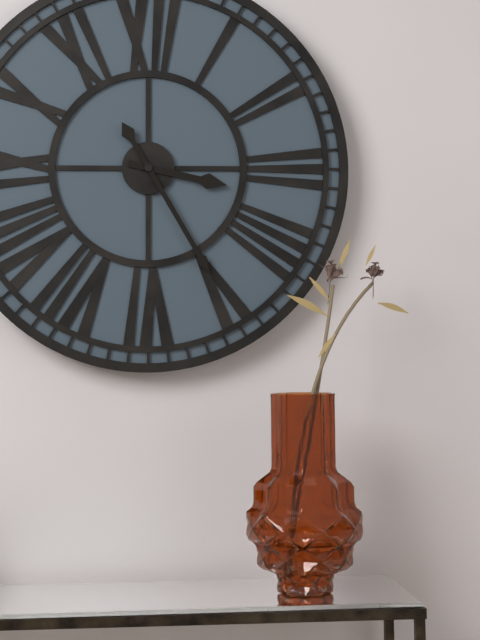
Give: 3h25
